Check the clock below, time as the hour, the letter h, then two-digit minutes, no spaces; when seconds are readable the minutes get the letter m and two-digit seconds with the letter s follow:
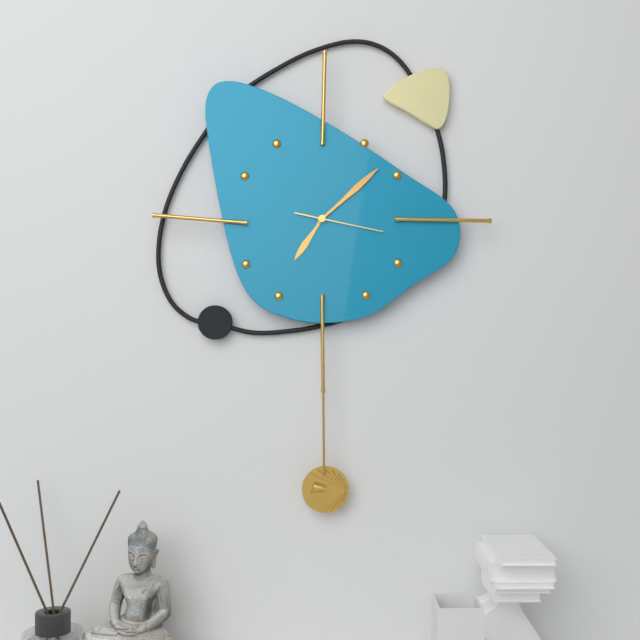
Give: 7h08m17s
